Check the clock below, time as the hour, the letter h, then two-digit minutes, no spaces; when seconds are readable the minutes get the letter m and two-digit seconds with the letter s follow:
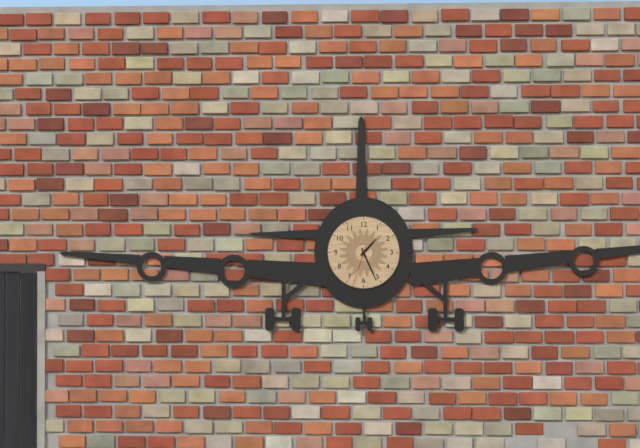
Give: 1h26
